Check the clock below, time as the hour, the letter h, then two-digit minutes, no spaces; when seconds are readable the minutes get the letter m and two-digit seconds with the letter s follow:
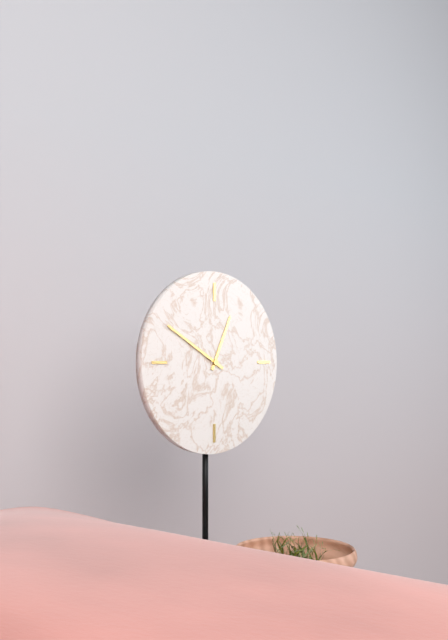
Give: 12h50
